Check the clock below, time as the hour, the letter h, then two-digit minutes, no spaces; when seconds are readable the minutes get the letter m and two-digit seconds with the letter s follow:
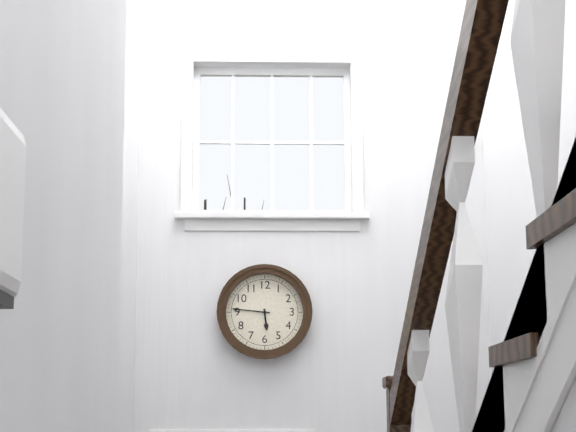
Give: 5h46
